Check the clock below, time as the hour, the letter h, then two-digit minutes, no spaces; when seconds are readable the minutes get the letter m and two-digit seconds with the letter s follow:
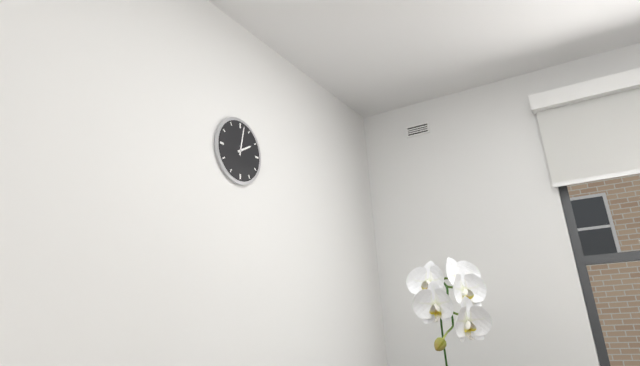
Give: 2h02
